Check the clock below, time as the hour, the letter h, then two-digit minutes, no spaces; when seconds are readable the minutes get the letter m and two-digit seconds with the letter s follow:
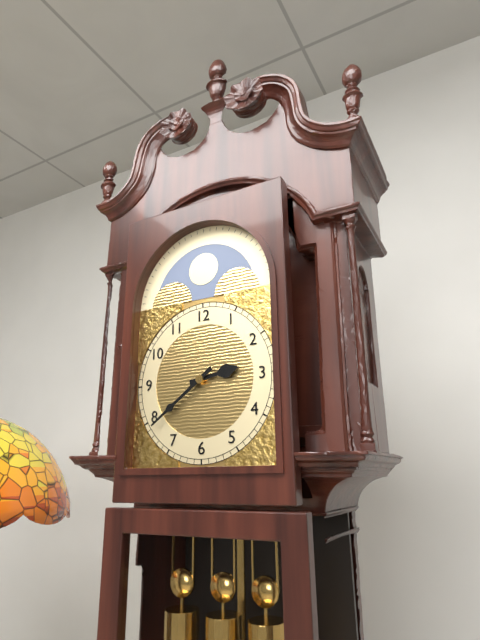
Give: 2h39
